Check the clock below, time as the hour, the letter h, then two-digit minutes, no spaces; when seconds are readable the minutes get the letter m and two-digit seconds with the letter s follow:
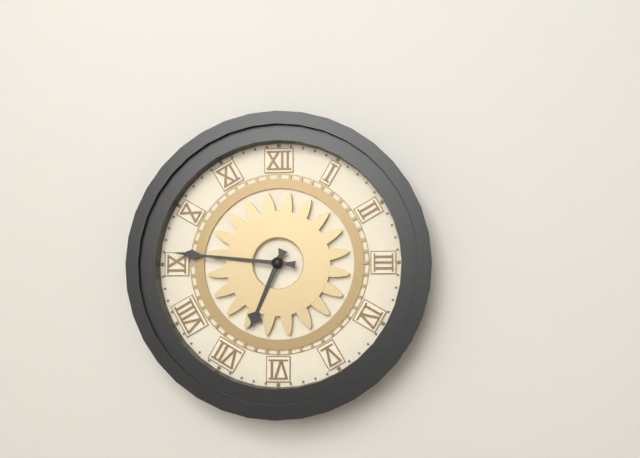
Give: 6h46
